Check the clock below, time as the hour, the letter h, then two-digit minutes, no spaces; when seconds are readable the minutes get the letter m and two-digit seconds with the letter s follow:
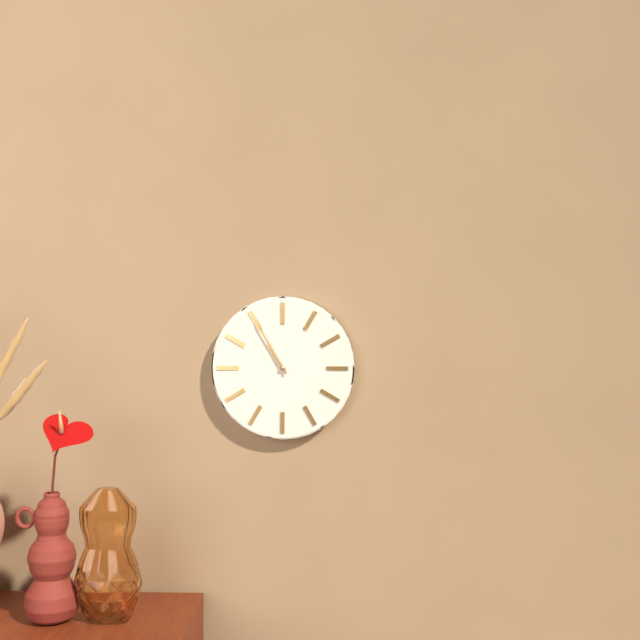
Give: 10h55
